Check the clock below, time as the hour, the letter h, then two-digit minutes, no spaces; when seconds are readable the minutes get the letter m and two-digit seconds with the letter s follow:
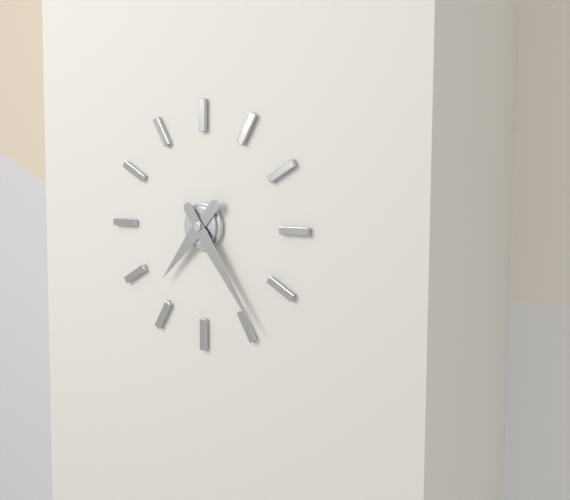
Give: 7h24
